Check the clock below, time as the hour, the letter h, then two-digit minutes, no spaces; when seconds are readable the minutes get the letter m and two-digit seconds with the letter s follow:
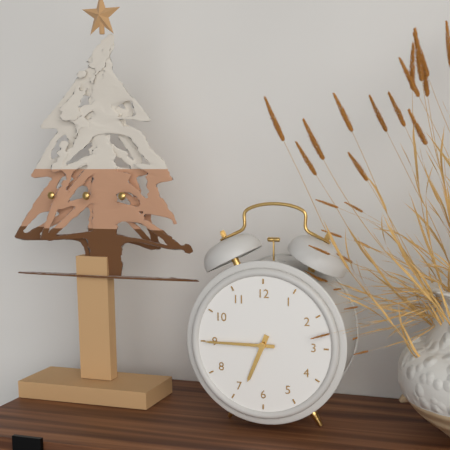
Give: 6h45
